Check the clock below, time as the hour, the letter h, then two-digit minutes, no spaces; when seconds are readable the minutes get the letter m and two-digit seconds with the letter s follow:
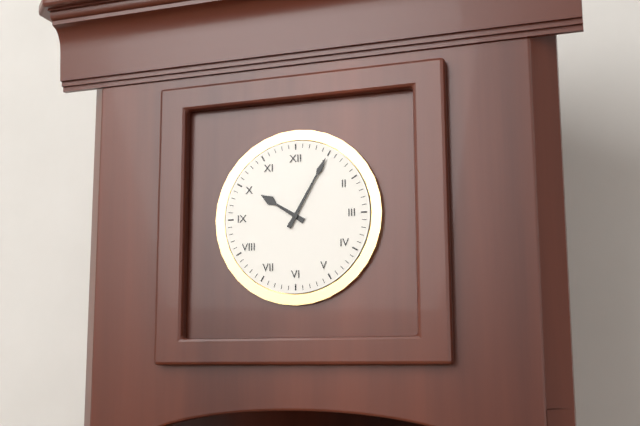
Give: 10h05
